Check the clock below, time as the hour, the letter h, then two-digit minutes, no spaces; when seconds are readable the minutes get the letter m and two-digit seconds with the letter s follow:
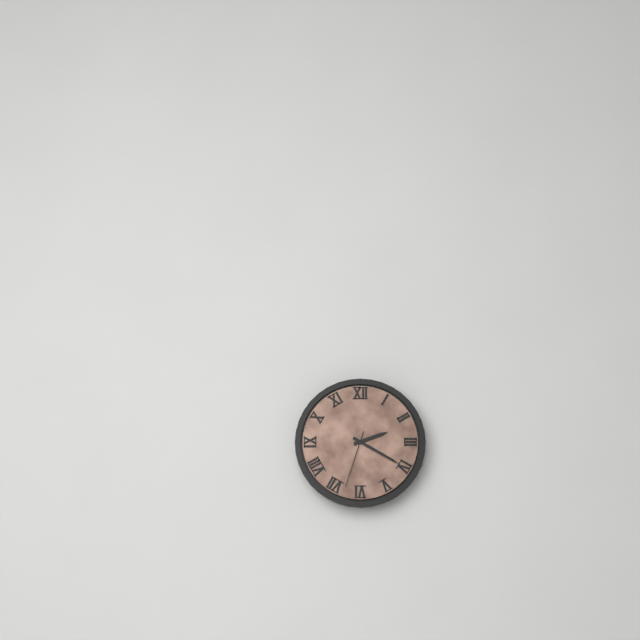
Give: 2h20m33s
